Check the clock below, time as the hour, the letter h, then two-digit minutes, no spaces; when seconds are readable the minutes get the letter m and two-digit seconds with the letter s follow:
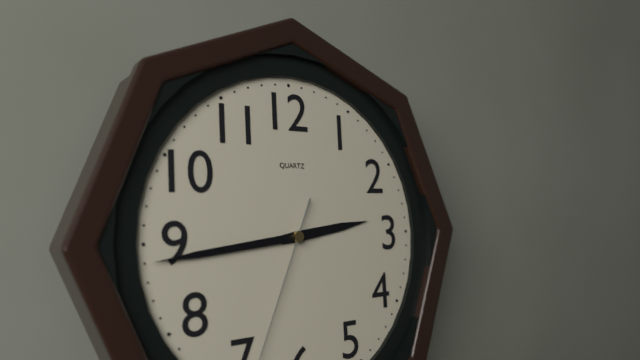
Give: 2h44
